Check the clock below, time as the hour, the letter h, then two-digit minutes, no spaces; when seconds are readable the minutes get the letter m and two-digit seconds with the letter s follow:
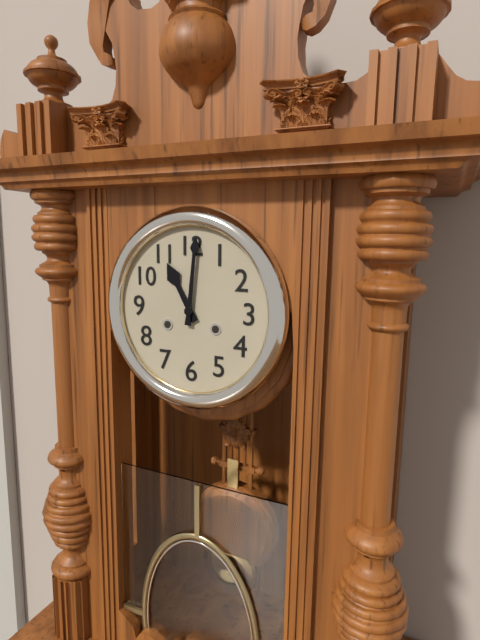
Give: 11h01
